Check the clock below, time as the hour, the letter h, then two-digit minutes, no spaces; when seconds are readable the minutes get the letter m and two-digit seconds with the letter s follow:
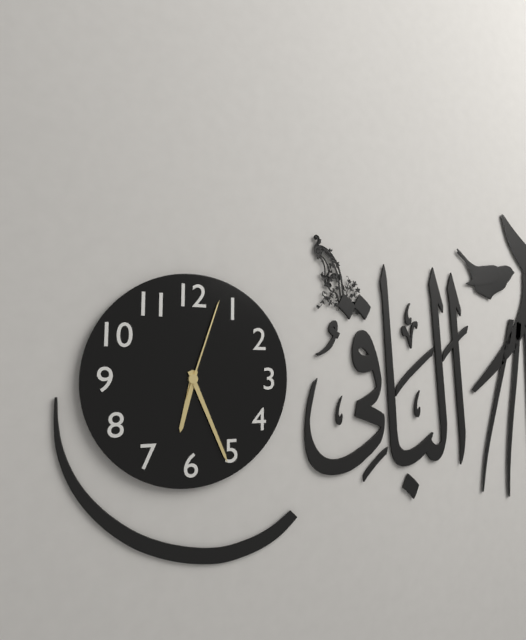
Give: 6h26m03s
